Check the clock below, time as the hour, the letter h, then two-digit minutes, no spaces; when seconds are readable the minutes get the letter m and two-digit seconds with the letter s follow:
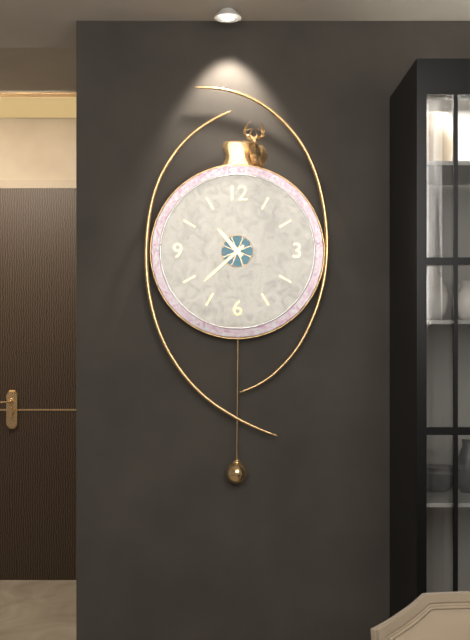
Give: 10h38
